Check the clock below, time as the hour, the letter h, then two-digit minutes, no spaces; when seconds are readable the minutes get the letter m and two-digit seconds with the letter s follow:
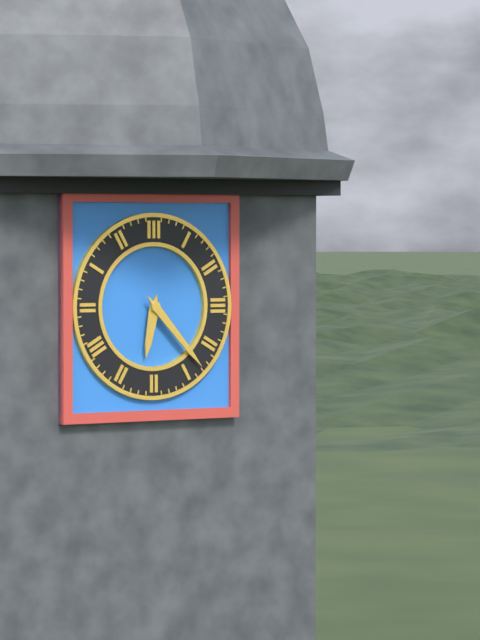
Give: 6h23
